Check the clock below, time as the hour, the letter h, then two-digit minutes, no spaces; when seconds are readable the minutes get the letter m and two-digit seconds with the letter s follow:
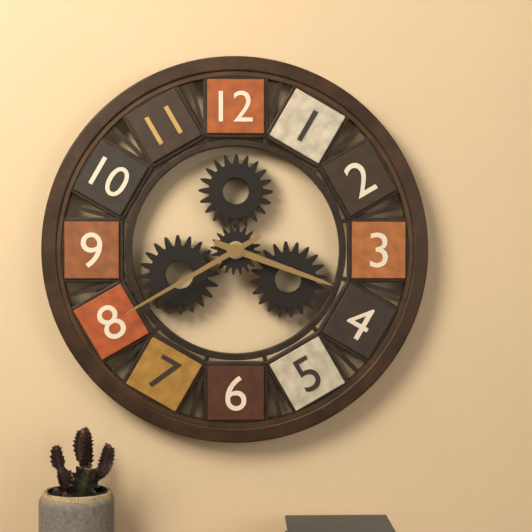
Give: 3h40
